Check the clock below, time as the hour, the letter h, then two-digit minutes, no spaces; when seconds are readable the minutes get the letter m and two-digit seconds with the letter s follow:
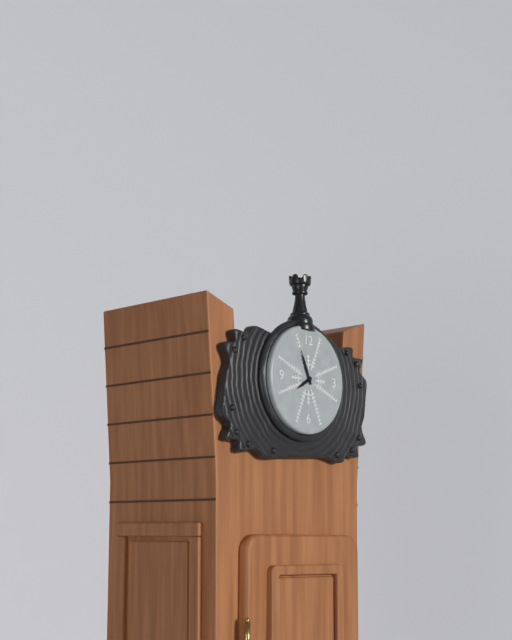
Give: 7h56
